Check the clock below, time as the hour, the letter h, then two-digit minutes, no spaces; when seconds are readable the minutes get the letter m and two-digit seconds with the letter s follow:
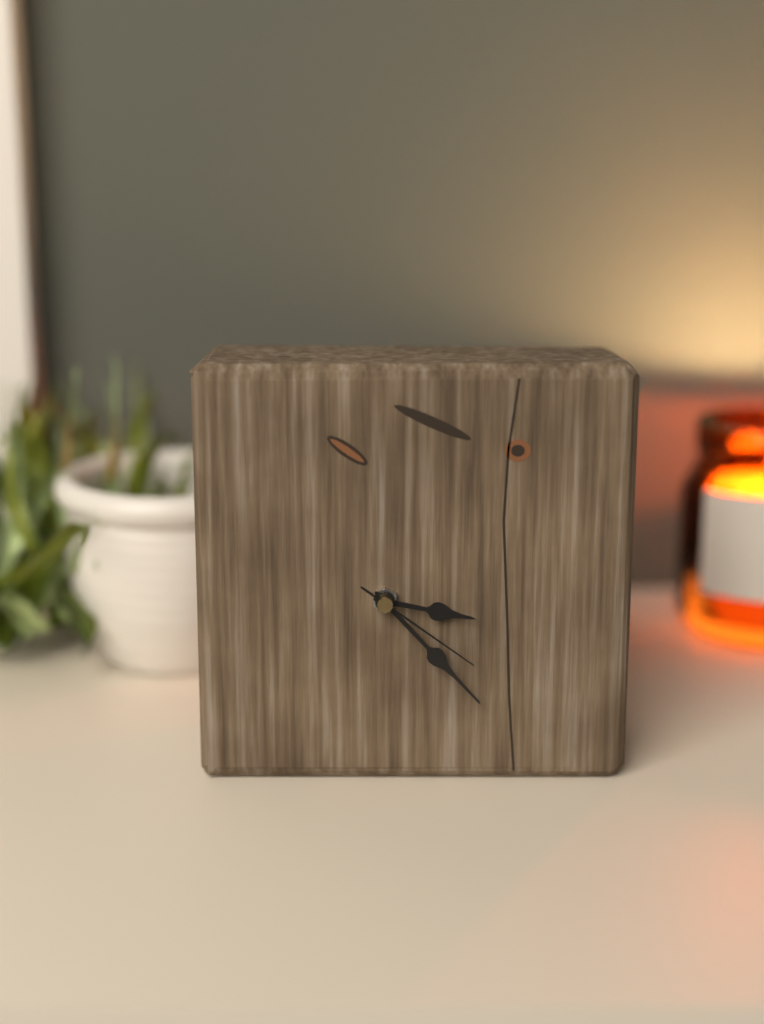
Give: 3h23m21s
